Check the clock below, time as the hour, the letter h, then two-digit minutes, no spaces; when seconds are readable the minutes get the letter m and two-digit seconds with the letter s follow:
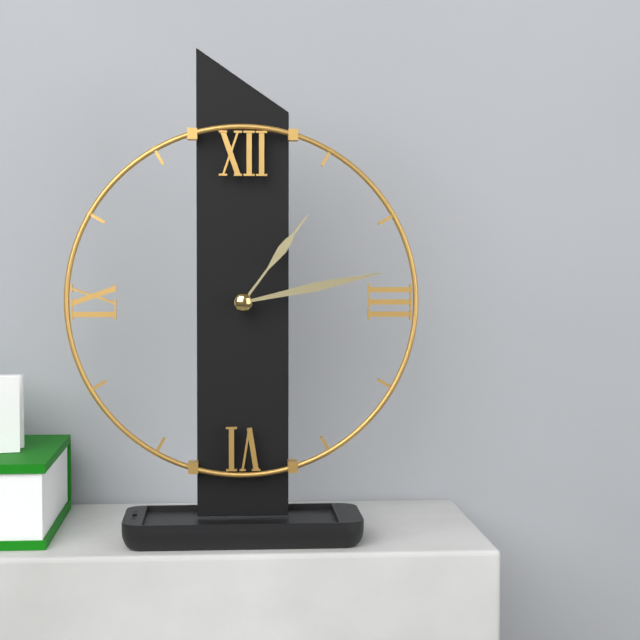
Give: 1h13
